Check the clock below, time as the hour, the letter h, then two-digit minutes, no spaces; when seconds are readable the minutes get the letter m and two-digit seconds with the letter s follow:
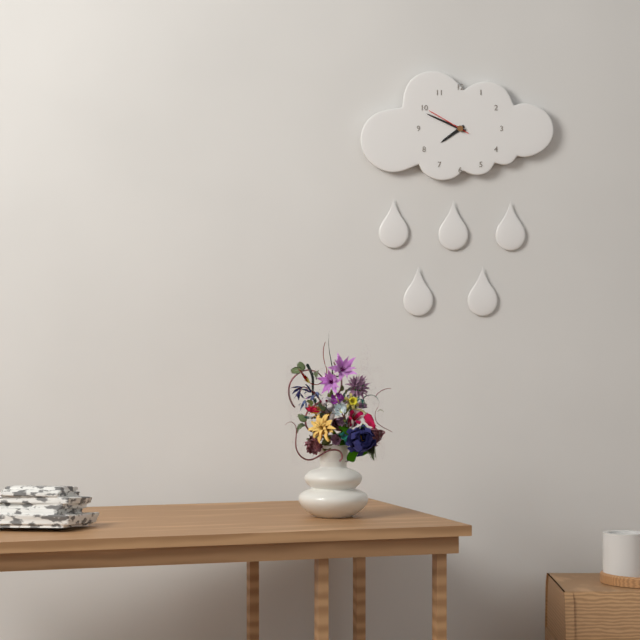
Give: 7h49
